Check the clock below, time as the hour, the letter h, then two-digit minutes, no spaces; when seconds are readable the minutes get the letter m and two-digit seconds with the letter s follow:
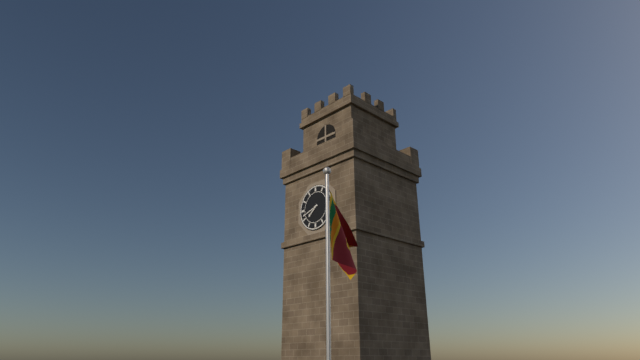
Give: 7h42
